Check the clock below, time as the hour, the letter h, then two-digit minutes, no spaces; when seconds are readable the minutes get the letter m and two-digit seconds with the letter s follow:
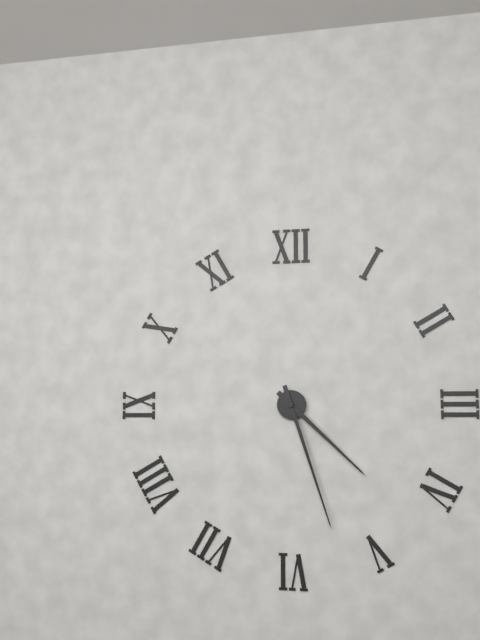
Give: 4h27
